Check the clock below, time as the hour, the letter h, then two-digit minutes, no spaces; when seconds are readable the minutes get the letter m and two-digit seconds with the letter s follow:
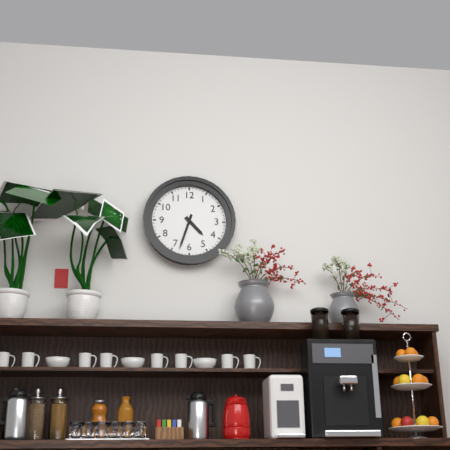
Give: 4h33
